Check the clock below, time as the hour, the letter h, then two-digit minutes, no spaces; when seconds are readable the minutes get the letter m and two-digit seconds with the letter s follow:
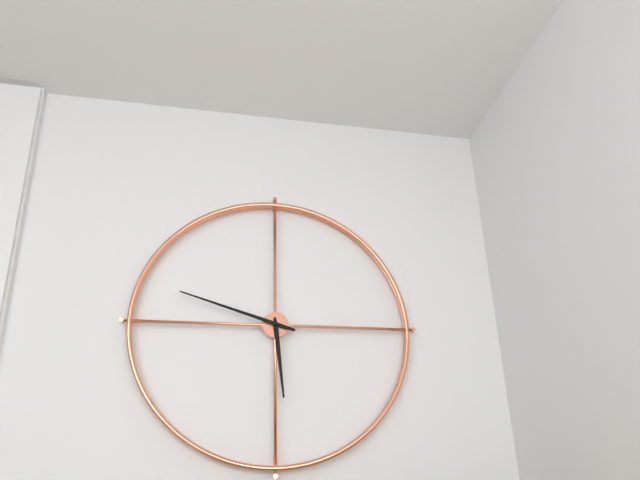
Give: 5h48
